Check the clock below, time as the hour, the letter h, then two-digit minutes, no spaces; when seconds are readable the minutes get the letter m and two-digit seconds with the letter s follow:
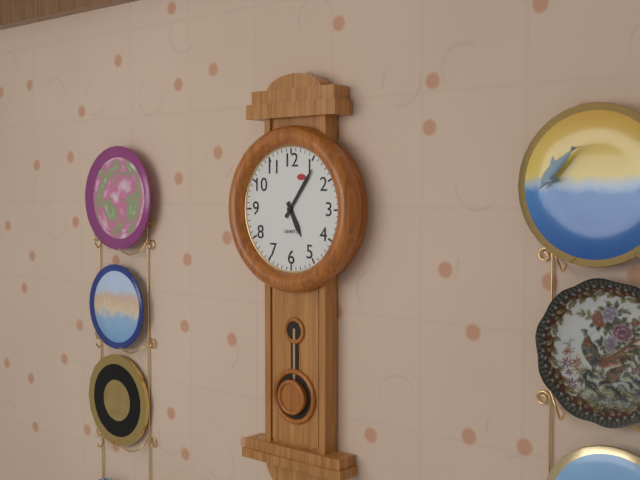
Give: 5h06
